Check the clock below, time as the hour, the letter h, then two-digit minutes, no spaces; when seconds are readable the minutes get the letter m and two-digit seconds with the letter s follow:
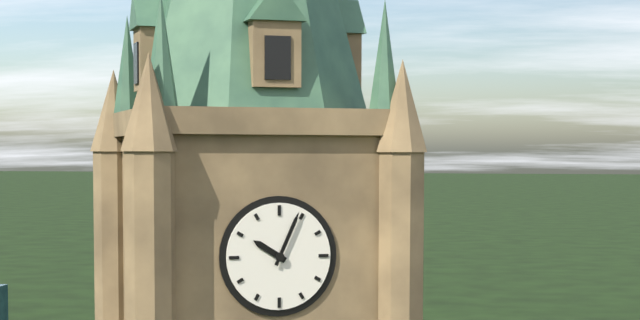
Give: 10h04
